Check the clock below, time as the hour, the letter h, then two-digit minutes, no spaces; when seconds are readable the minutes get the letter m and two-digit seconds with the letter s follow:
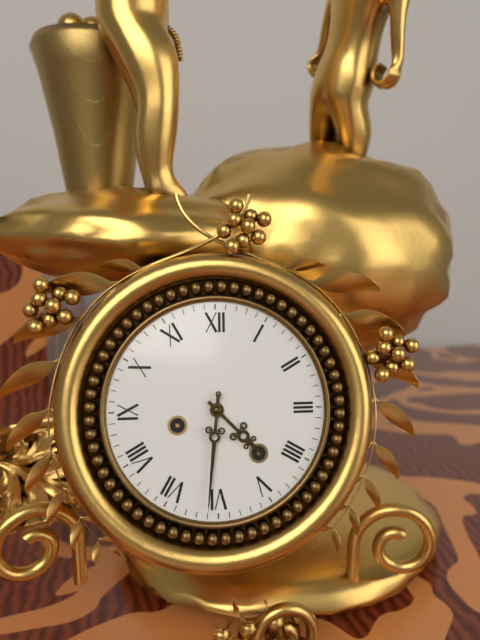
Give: 4h31
